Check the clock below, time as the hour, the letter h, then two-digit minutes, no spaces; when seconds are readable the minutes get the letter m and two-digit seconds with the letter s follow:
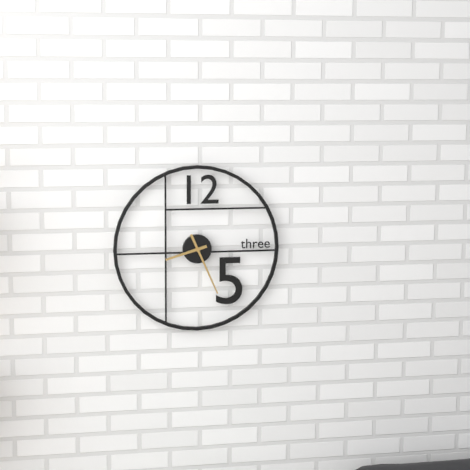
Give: 8h26
